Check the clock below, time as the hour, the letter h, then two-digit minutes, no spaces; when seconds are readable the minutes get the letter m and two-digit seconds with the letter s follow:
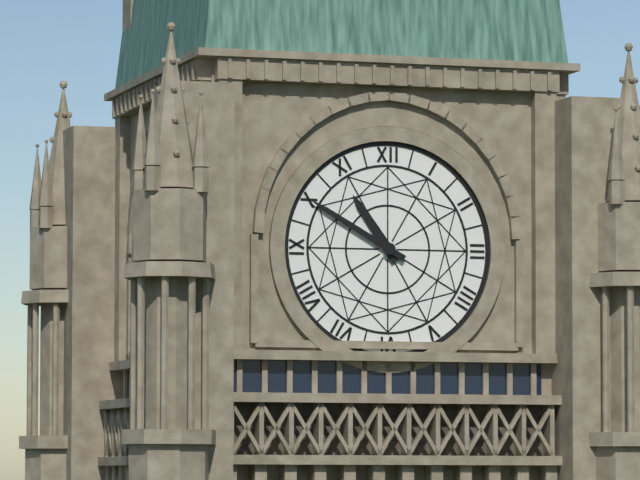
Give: 10h50
